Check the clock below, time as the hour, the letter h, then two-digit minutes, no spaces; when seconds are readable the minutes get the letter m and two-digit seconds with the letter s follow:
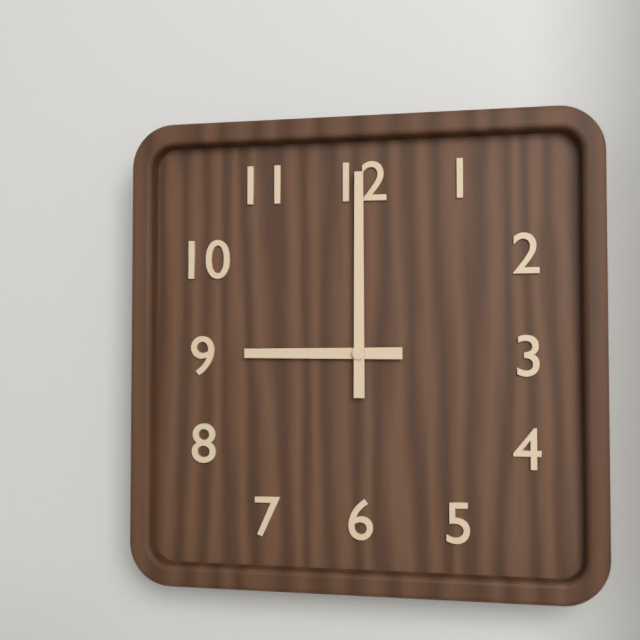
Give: 9h00
